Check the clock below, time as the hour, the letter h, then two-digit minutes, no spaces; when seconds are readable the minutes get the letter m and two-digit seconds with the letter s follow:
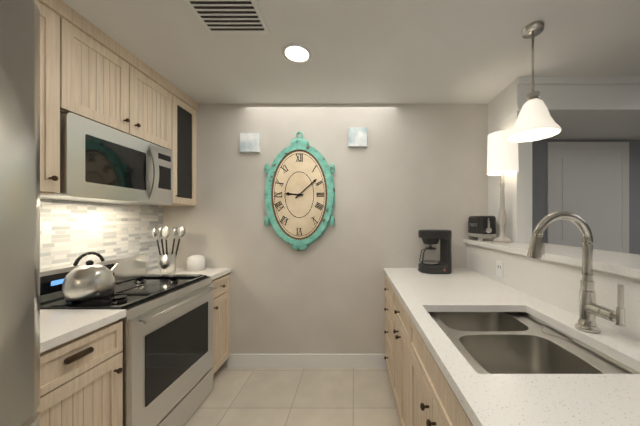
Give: 9h08
